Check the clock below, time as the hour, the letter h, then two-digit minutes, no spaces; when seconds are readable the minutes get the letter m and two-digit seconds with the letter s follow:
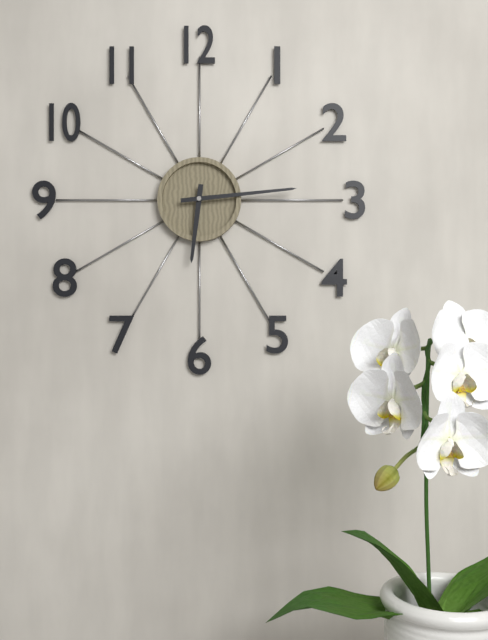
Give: 6h14
